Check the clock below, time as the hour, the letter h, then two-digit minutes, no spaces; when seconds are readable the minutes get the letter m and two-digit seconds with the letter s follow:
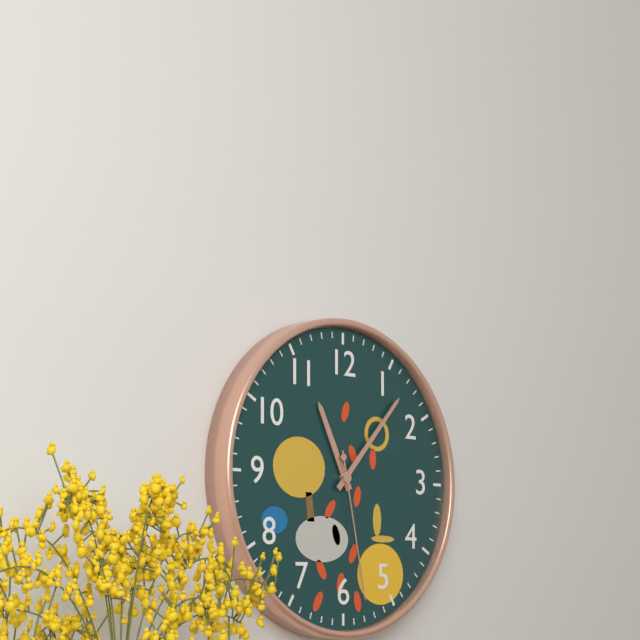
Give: 11h07m28s
